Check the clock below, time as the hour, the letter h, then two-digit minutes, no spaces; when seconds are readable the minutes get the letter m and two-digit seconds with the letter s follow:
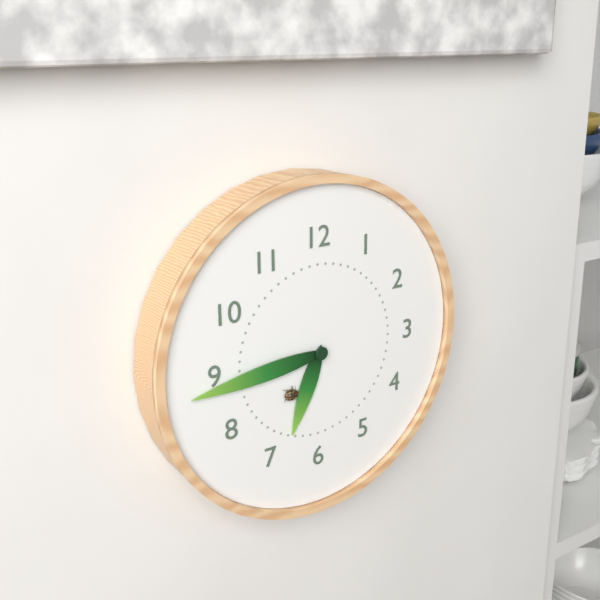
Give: 6h44
